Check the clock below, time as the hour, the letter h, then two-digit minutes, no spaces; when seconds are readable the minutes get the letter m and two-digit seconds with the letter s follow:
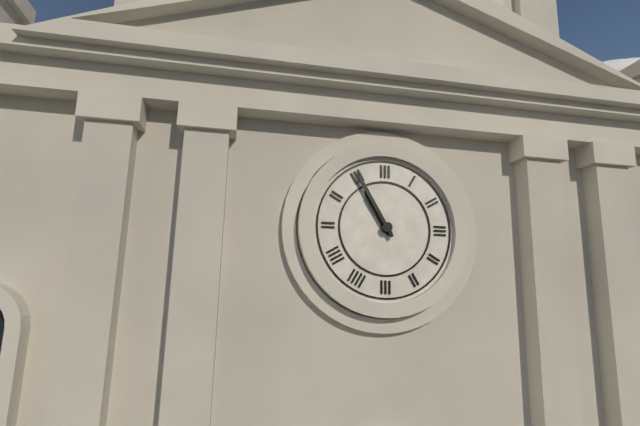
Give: 10h55
